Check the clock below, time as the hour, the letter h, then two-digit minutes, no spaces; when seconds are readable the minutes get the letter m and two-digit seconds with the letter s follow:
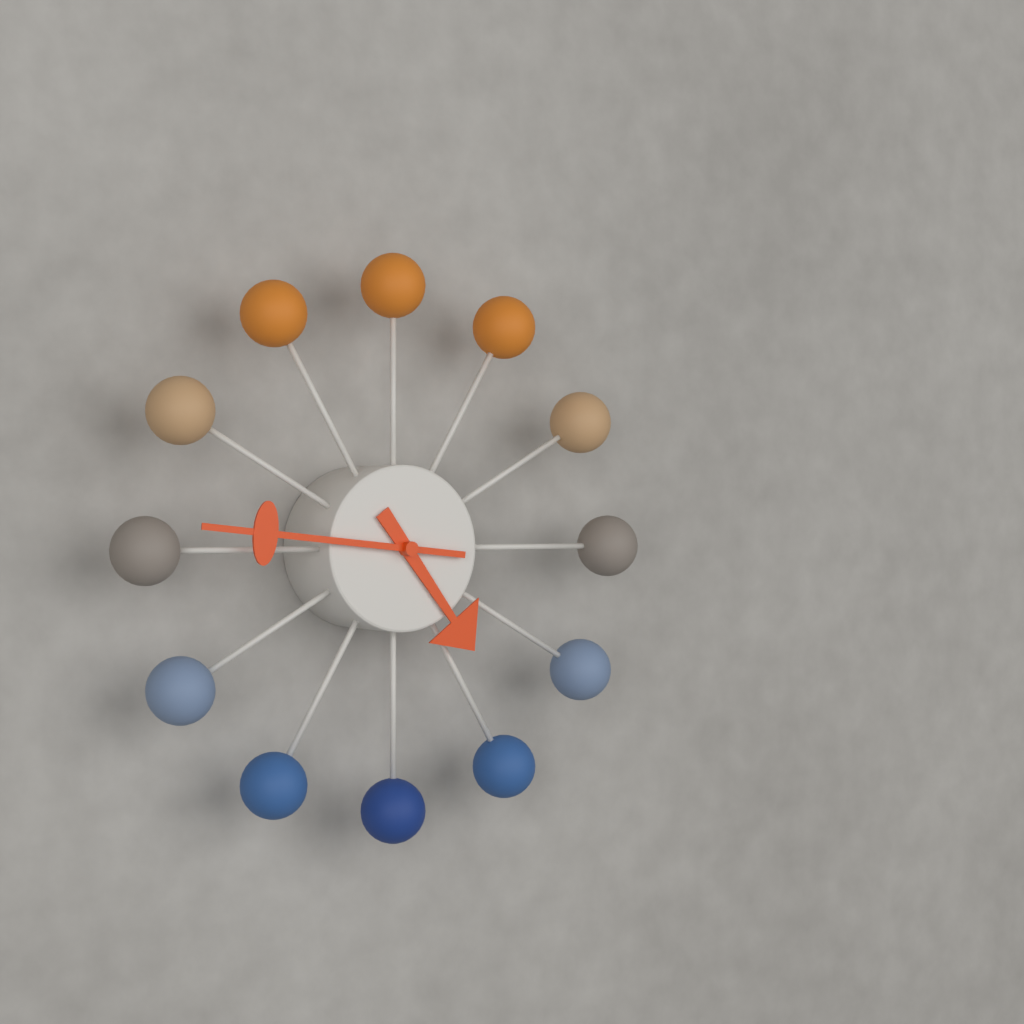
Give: 4h46
